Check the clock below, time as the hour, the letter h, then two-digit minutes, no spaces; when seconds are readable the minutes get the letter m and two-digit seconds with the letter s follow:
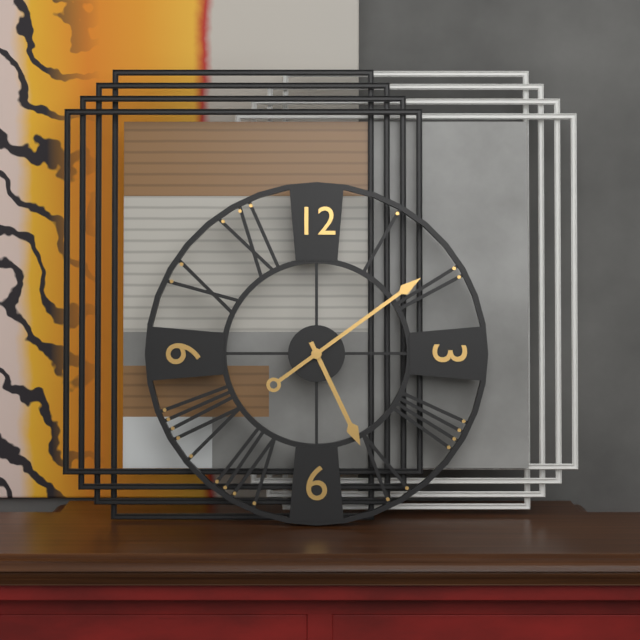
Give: 5h09
